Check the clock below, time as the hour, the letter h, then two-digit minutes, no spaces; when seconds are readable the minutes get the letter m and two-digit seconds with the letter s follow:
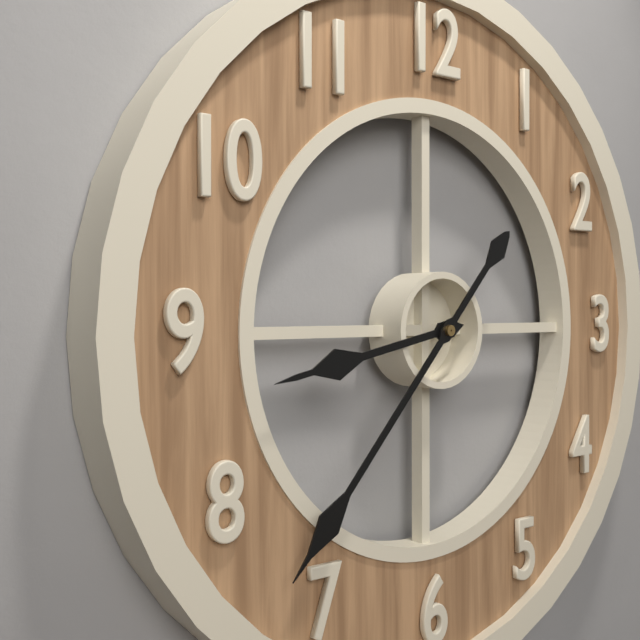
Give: 8h37
